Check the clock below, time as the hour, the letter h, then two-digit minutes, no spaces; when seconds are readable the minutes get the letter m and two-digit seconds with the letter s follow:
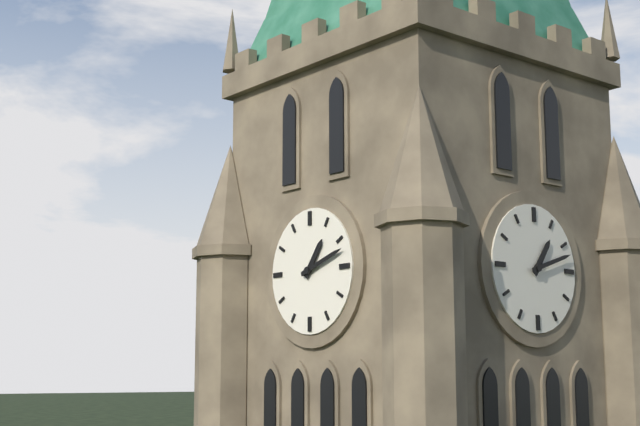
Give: 1h12
